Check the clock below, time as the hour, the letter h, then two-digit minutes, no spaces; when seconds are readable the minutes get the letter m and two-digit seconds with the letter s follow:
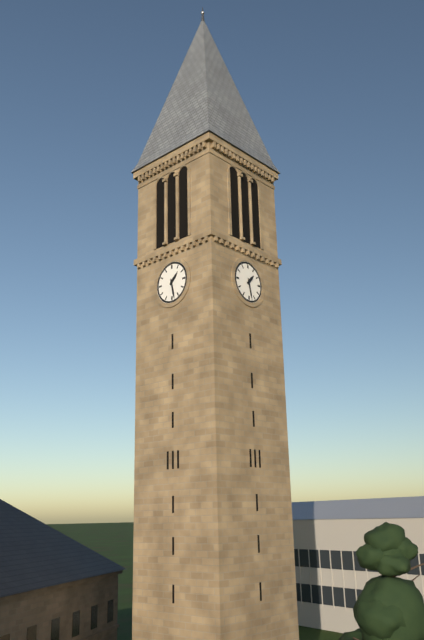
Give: 1h28
